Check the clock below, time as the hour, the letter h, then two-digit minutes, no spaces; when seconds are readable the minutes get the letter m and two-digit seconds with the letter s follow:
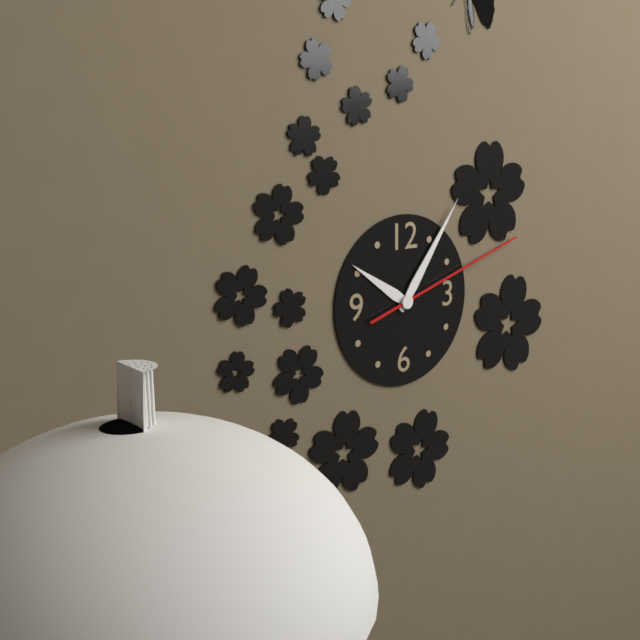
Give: 10h06m12s
